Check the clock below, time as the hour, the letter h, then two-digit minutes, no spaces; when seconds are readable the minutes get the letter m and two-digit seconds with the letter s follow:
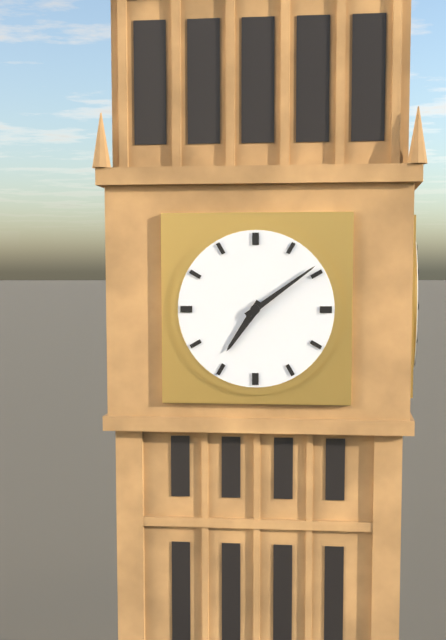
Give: 7h09
